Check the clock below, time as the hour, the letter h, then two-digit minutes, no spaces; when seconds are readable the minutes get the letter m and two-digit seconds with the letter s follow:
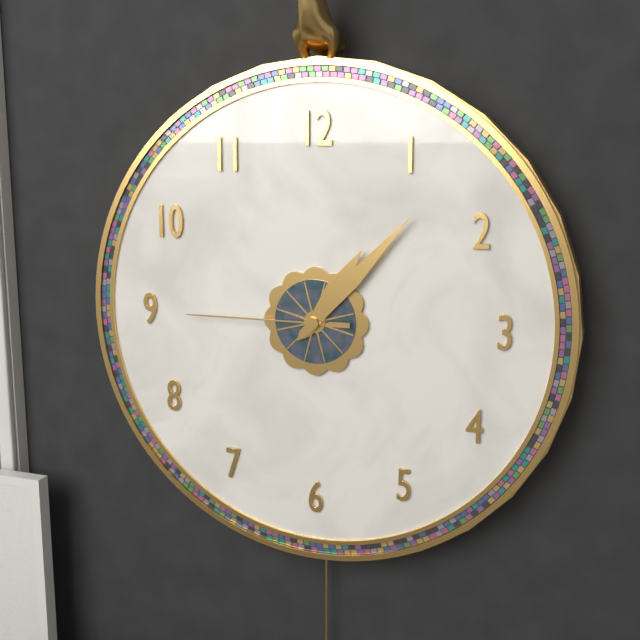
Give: 1h07m45s
